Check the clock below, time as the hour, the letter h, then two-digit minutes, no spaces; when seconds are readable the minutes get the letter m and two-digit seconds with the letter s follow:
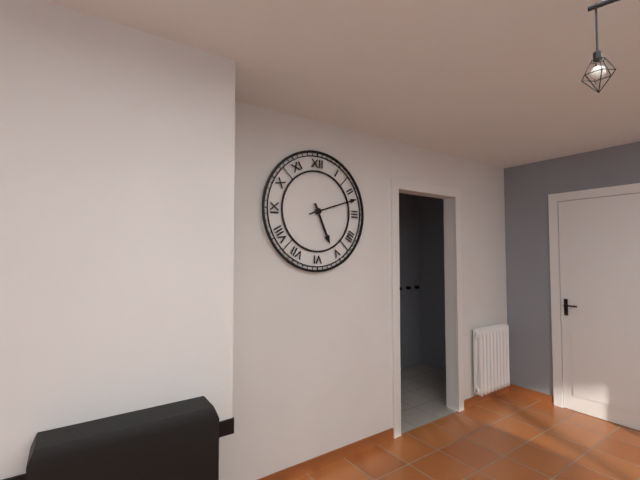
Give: 5h12
